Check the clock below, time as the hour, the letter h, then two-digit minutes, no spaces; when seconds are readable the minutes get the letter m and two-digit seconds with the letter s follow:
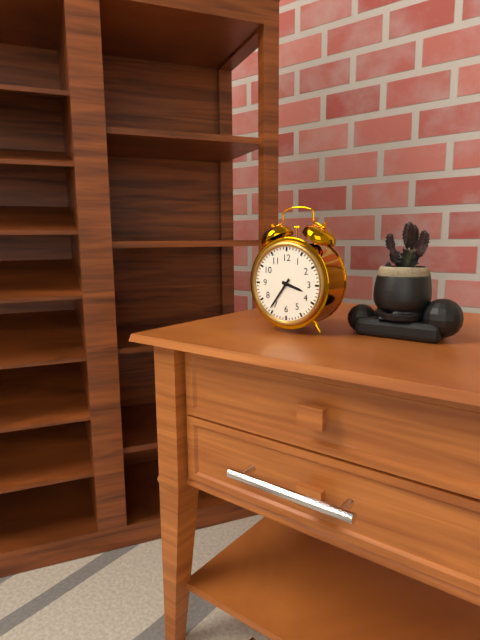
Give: 3h36
